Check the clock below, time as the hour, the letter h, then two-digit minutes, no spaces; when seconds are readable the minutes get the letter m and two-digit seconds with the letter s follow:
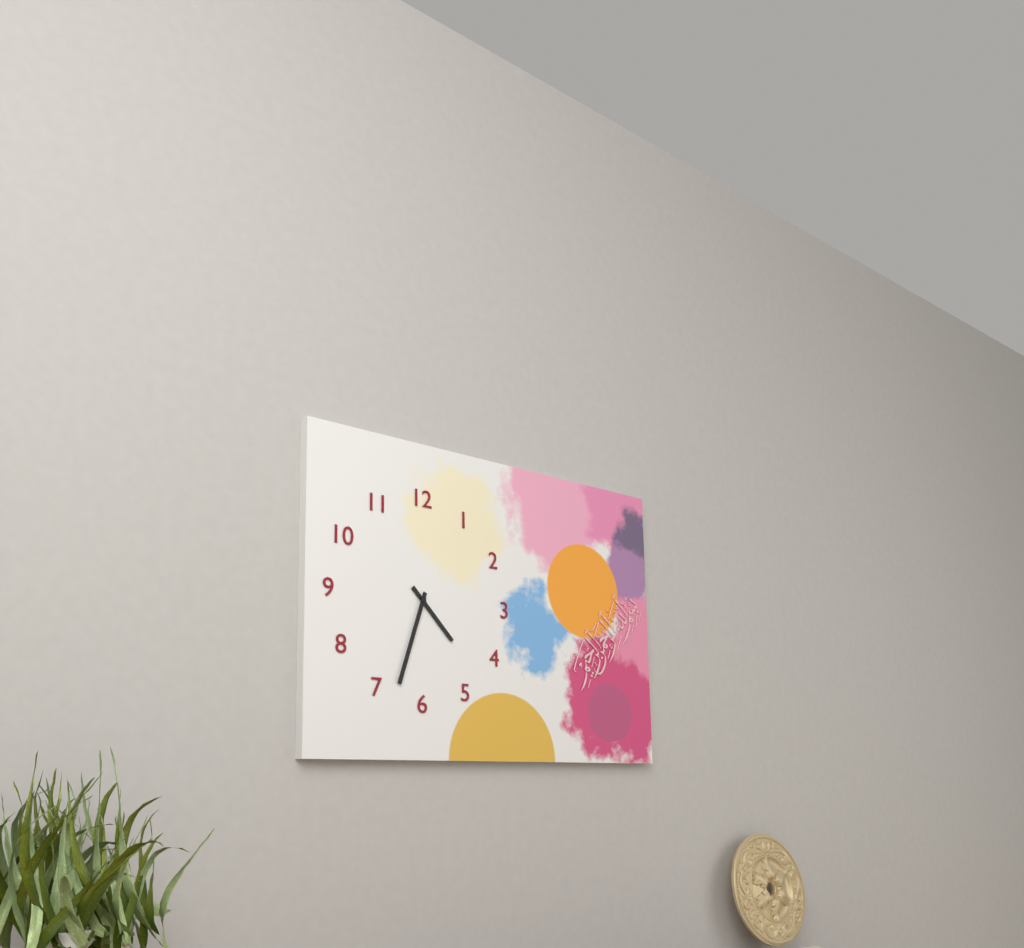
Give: 4h33
